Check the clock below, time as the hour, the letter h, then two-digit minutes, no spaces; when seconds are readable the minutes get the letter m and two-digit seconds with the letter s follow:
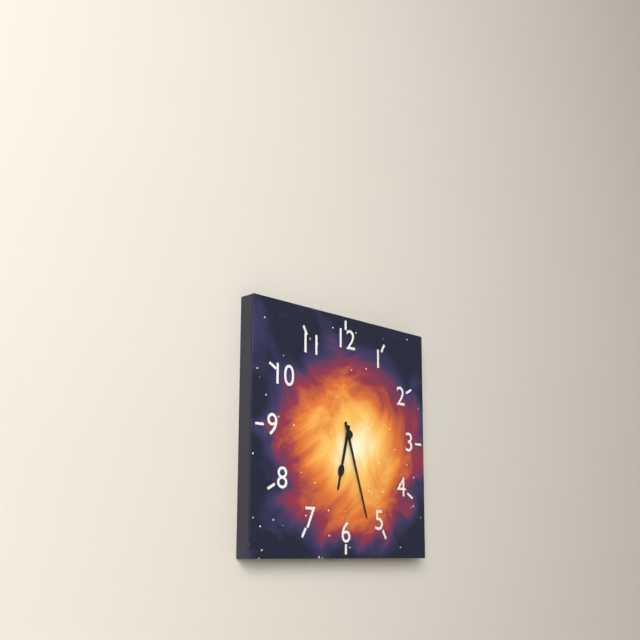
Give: 6h27
